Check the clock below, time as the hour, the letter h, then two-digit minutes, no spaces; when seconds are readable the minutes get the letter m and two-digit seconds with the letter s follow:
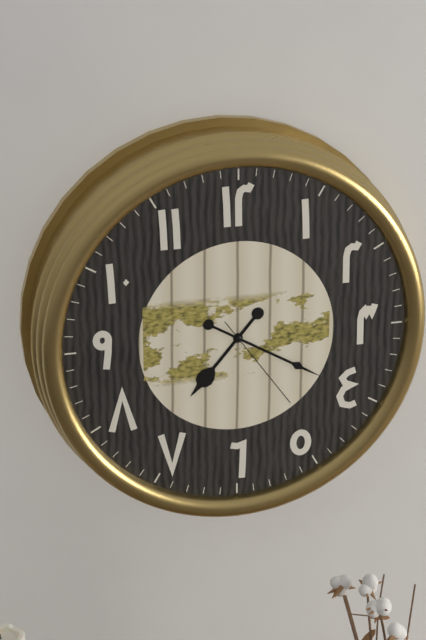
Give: 7h20m24s
